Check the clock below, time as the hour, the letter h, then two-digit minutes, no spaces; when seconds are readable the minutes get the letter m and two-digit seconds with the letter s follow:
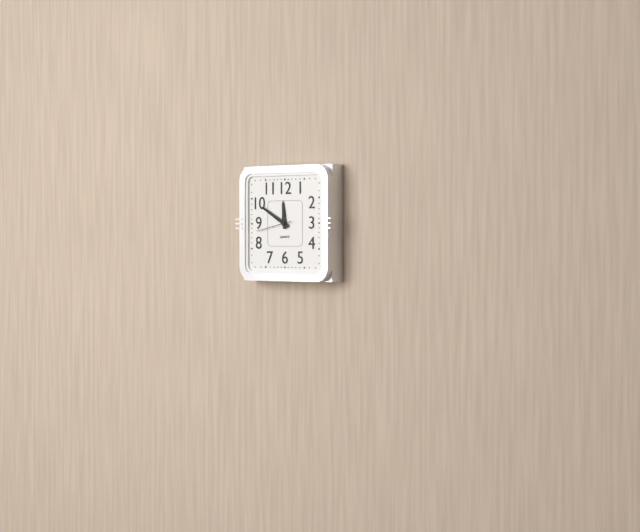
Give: 11h50m43s
